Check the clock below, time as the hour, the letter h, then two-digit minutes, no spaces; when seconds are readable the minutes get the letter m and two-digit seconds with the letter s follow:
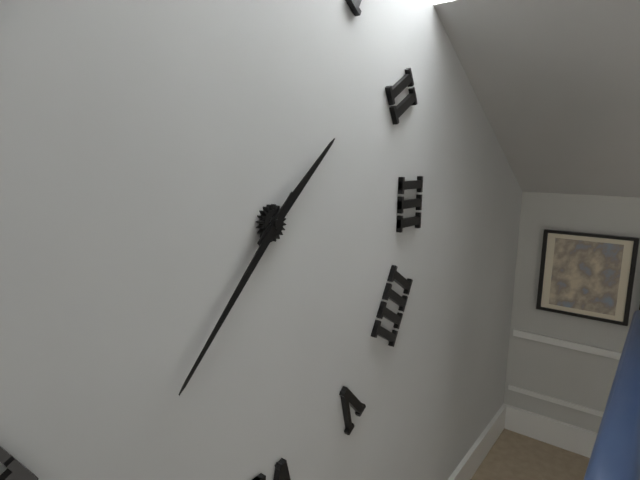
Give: 1h37
